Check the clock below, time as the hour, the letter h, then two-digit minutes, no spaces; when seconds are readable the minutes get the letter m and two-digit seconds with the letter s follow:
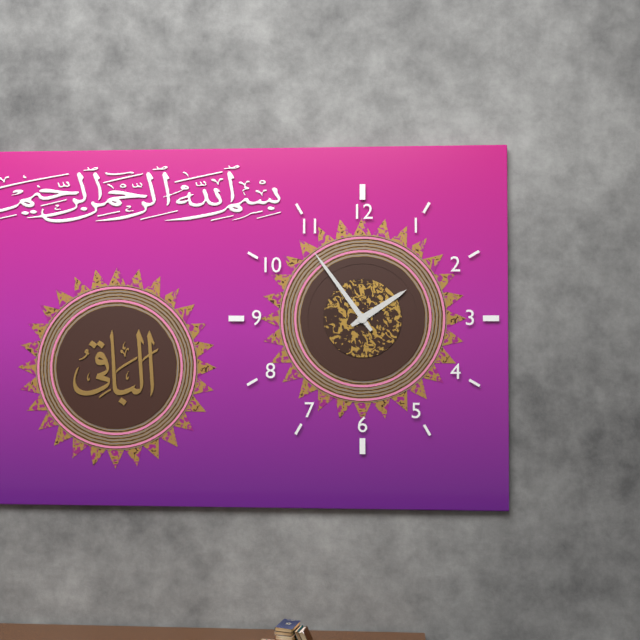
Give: 1h54
